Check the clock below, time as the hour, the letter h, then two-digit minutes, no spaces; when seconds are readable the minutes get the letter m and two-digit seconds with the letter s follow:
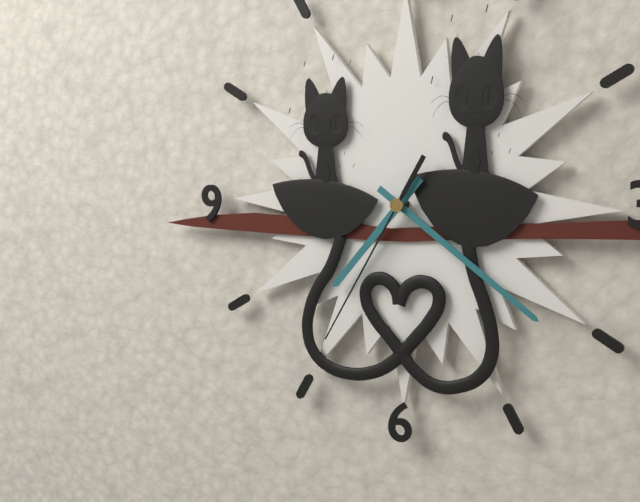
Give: 7h21m35s
